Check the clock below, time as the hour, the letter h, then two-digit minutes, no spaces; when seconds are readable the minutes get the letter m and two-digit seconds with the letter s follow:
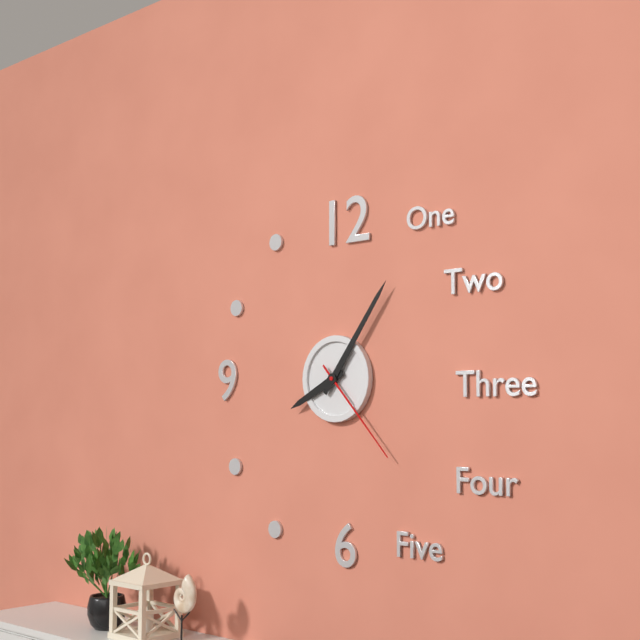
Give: 8h06m23s
